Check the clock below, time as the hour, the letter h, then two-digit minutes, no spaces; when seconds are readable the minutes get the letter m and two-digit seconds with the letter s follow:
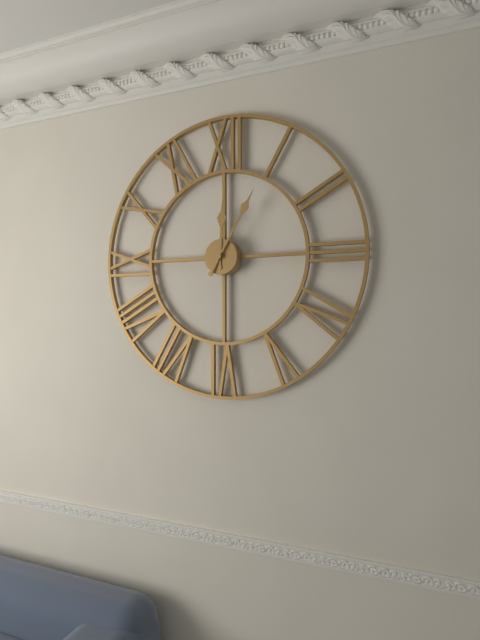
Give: 12h05
